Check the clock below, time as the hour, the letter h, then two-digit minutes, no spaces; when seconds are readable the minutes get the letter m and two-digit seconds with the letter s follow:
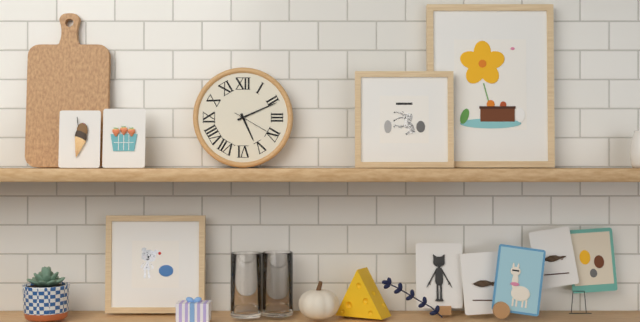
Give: 5h11
